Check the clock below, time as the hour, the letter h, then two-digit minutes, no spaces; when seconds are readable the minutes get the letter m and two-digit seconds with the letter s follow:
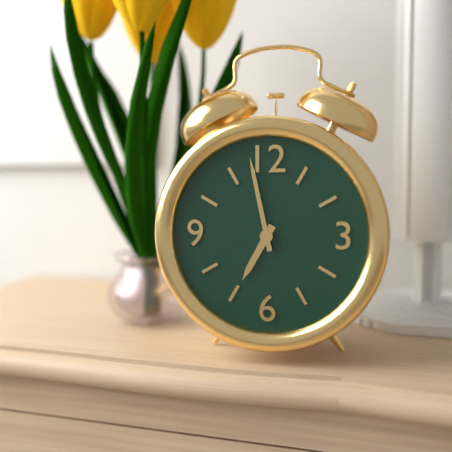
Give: 6h58
